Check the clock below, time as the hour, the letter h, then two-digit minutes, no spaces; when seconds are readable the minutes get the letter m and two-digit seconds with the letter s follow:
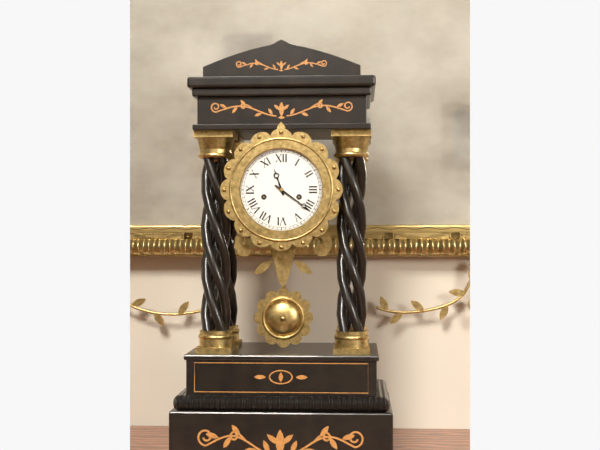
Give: 11h21
